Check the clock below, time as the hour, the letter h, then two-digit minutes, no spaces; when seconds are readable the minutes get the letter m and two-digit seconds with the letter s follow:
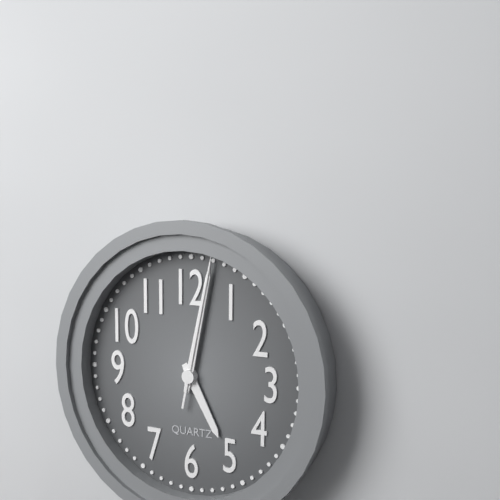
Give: 5h02m02s
